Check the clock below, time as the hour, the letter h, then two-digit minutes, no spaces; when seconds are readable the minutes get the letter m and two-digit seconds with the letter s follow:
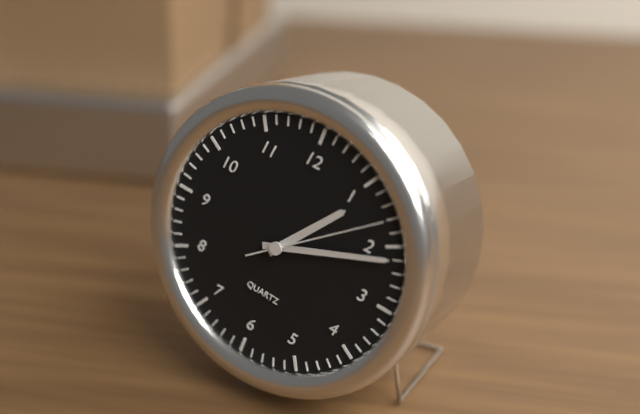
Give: 1h11m08s
